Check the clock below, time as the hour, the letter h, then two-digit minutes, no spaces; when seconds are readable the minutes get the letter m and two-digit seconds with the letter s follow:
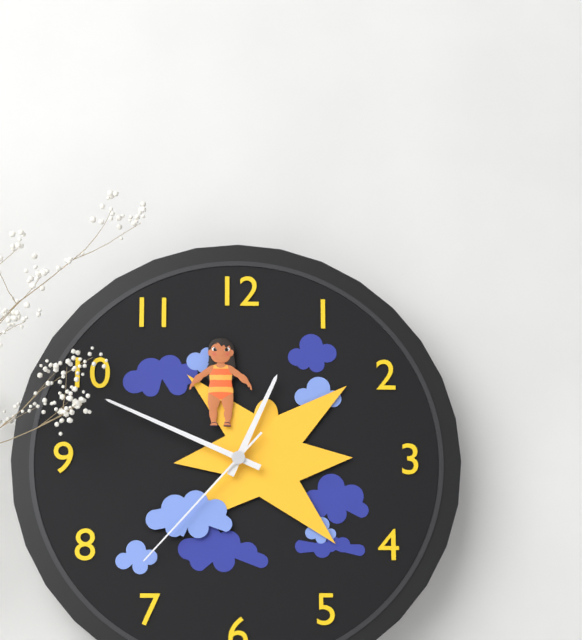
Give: 12h49m37s
